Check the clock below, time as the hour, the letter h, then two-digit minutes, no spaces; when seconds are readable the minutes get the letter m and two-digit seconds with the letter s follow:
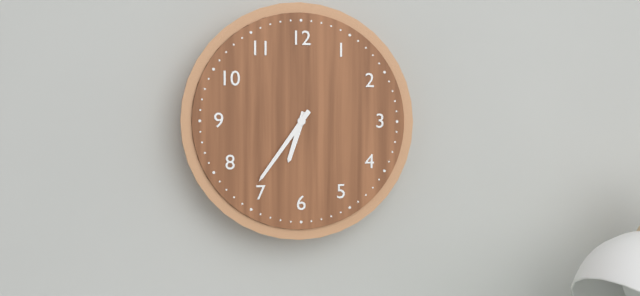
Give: 6h36
